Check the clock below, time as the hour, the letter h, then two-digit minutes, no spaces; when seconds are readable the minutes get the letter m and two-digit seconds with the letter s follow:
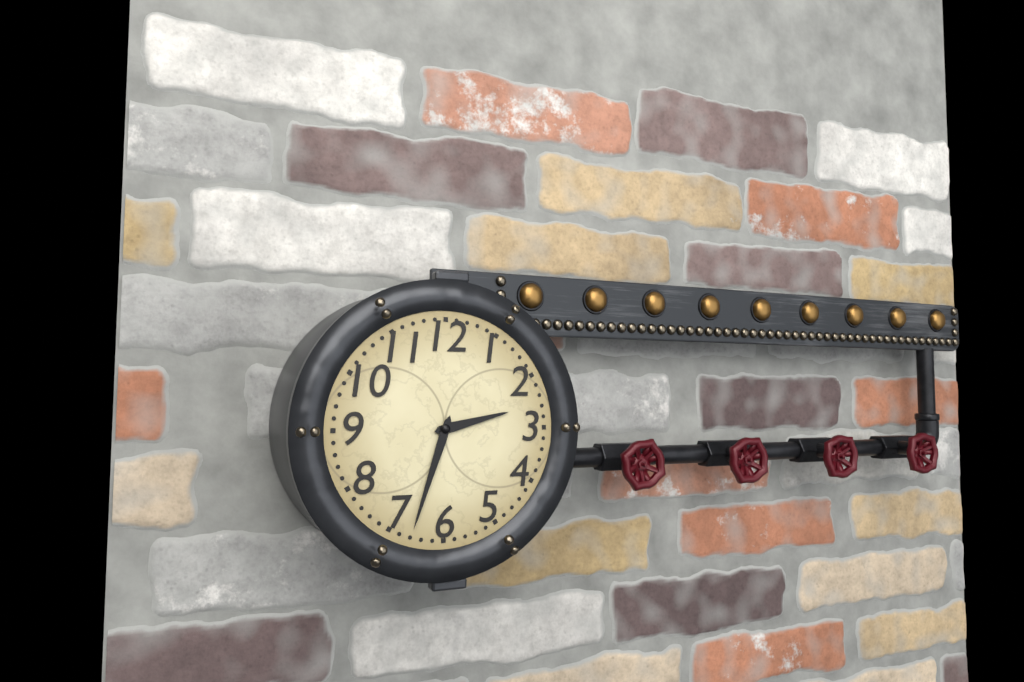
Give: 2h33
